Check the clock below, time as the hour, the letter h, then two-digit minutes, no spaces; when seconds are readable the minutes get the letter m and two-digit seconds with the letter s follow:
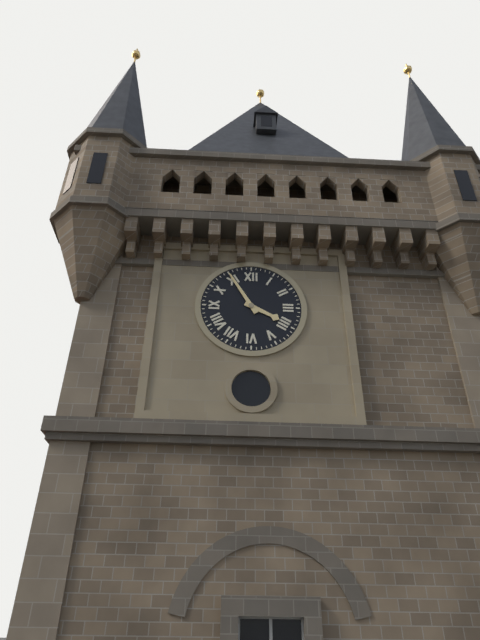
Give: 3h55
